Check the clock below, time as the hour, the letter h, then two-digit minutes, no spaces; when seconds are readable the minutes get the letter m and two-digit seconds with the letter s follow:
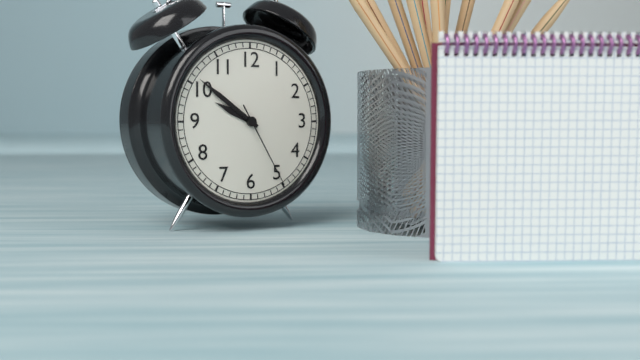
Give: 9h51m25s
